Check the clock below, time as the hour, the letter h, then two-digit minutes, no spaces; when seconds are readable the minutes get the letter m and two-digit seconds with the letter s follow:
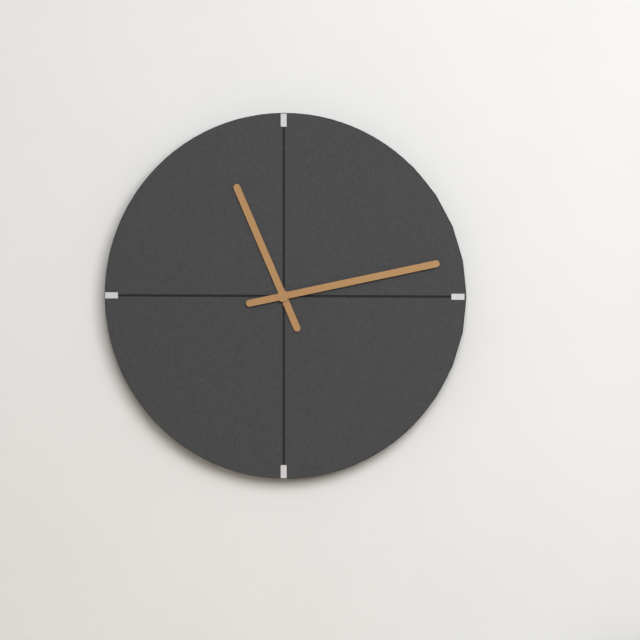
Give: 11h13
